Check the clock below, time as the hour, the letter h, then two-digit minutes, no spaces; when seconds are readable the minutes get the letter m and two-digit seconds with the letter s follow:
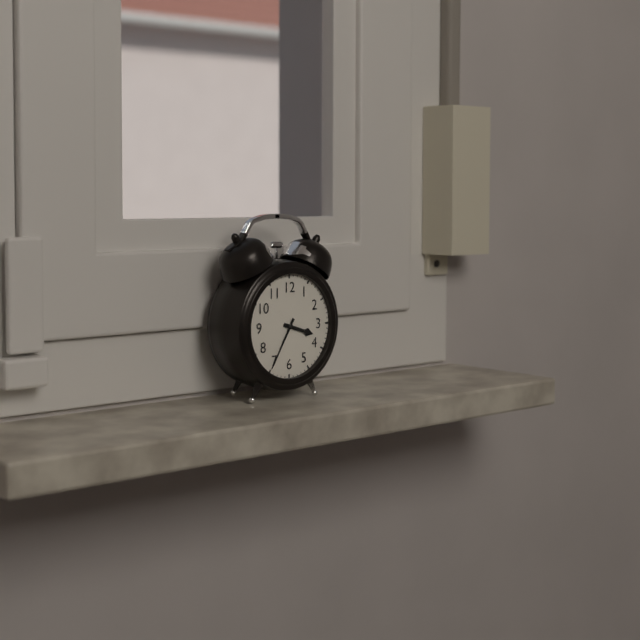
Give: 3h35
